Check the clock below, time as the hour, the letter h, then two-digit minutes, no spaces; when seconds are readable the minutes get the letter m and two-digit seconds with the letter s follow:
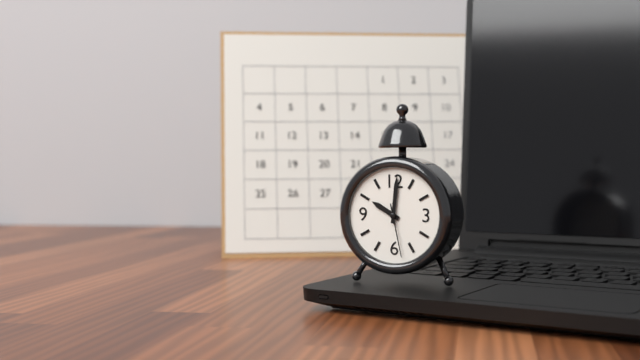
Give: 10h01m28s
